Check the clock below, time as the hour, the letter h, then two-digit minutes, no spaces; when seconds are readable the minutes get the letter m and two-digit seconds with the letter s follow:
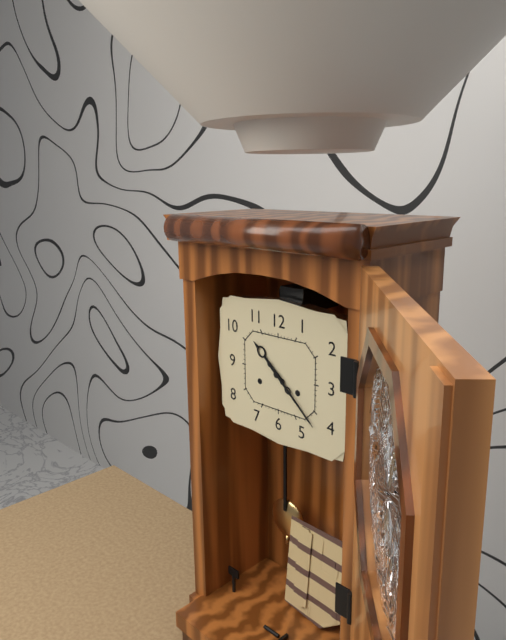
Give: 10h22
